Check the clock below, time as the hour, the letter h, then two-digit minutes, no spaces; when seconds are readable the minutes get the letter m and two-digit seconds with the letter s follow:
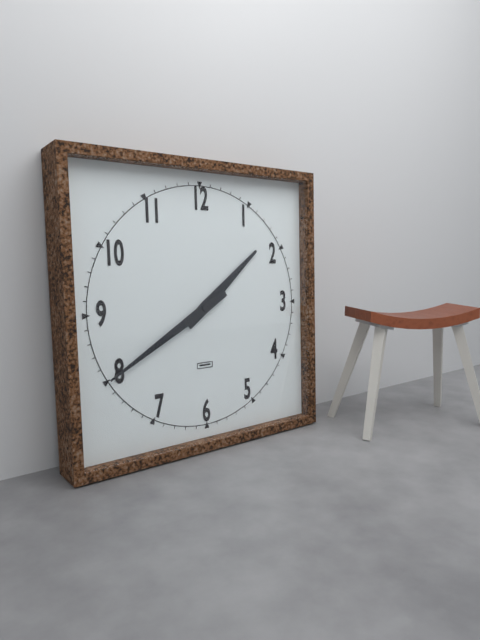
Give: 1h40
